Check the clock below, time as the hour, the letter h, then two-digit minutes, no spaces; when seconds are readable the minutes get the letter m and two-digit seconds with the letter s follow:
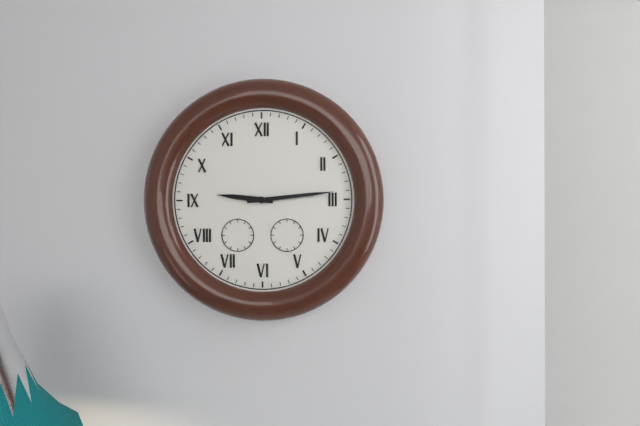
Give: 9h14
